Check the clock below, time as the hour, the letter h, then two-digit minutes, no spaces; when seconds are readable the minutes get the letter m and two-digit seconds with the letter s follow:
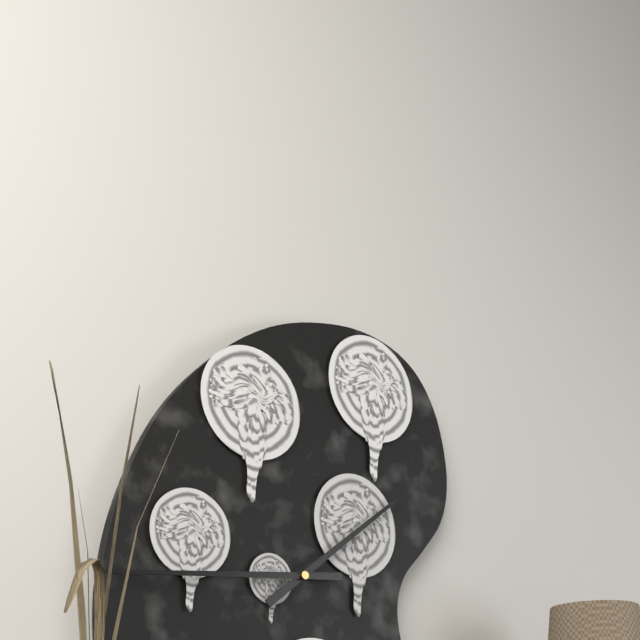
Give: 1h44
